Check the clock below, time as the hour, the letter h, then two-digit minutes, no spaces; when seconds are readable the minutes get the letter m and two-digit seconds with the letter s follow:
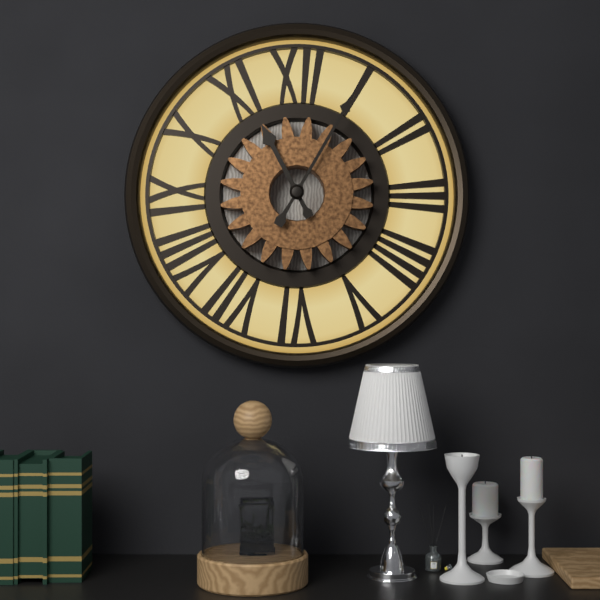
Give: 11h05
